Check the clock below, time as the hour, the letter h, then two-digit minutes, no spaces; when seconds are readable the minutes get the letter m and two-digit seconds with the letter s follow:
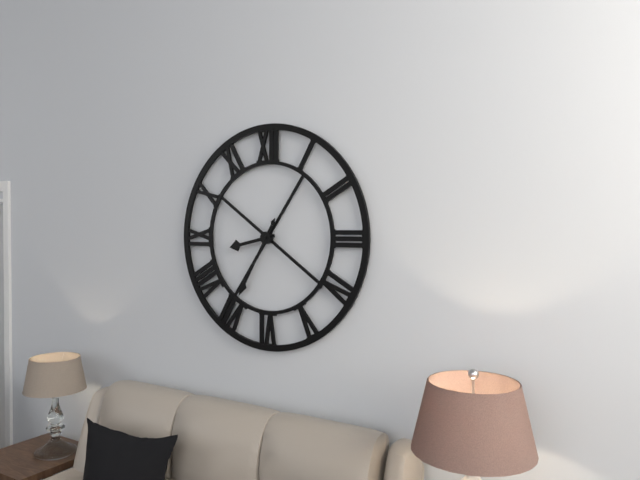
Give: 8h35
